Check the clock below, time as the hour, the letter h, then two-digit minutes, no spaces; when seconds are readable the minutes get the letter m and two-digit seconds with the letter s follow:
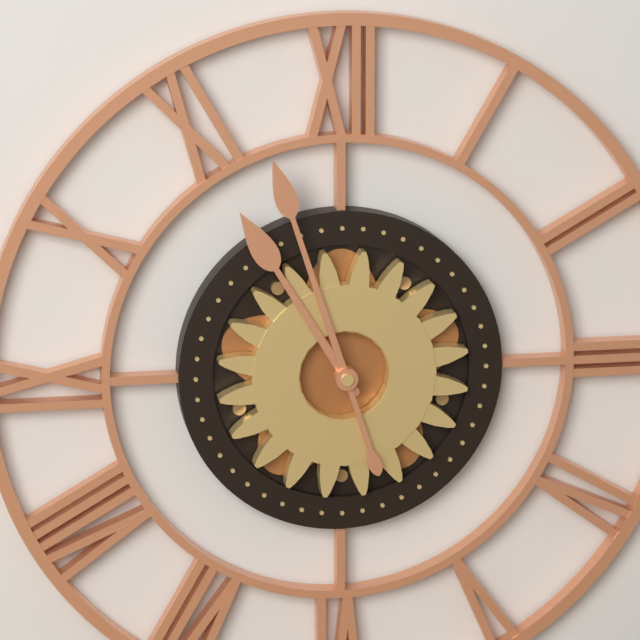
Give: 10h57
